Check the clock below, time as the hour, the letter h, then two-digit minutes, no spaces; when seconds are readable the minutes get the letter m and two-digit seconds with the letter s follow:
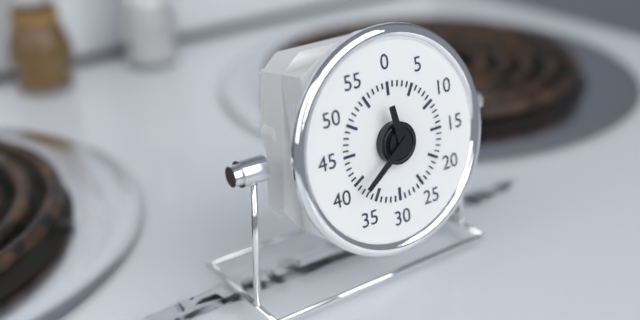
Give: 11h39
